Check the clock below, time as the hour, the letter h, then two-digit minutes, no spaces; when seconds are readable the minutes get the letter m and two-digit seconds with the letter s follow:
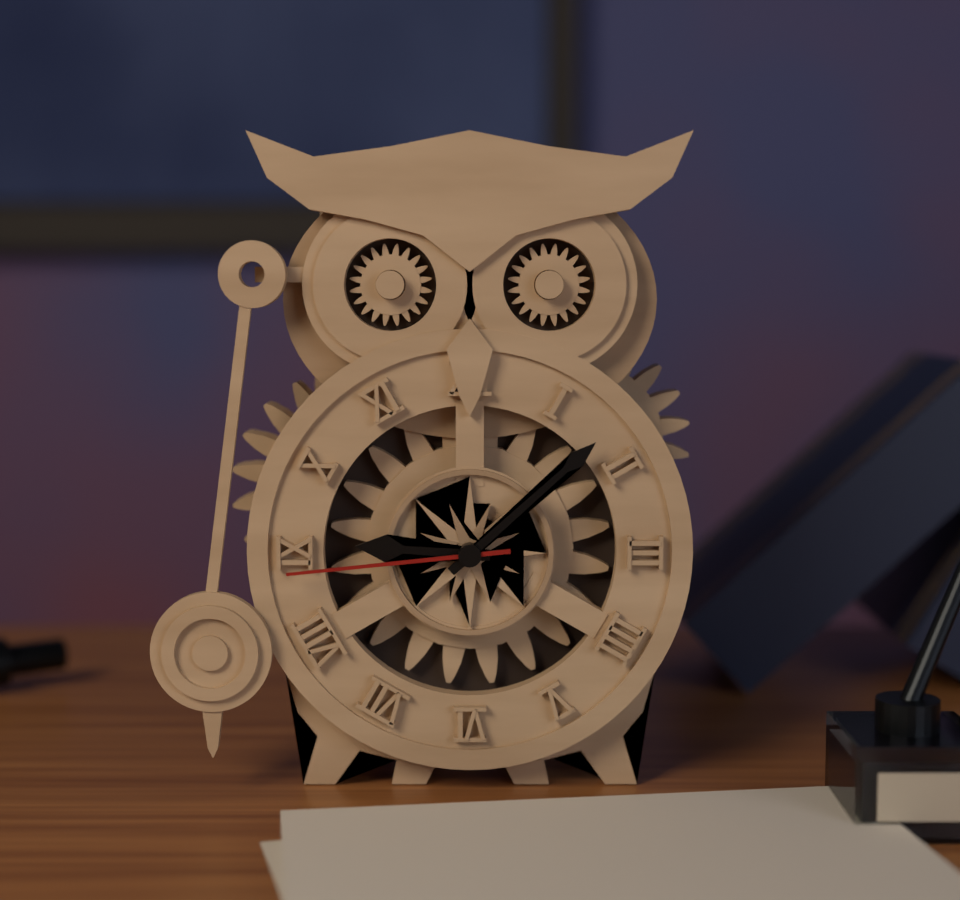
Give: 9h08m44s
